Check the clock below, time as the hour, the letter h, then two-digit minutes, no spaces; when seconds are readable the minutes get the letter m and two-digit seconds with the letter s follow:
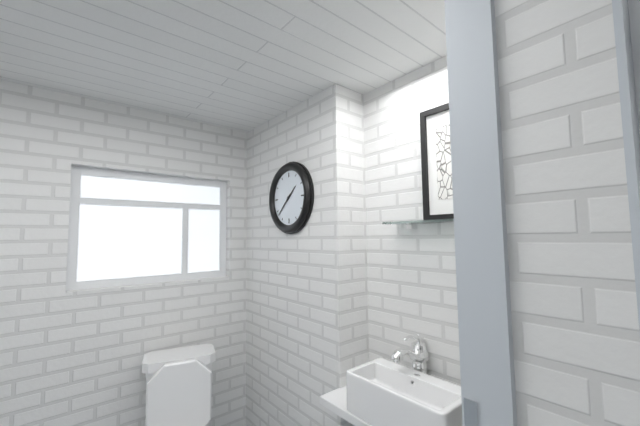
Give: 1h38
